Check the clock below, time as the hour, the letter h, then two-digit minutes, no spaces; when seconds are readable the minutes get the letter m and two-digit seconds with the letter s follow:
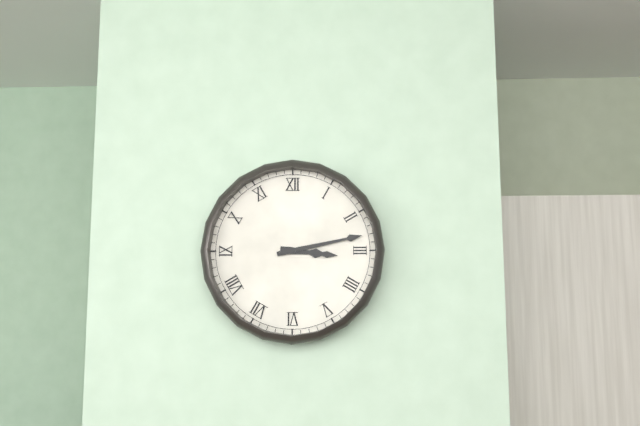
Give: 3h13
